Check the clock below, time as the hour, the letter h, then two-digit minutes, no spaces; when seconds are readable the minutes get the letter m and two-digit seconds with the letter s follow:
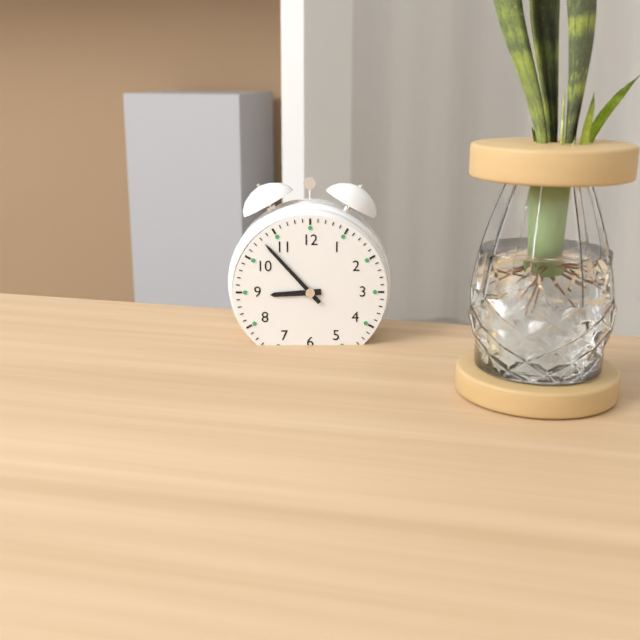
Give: 8h53
